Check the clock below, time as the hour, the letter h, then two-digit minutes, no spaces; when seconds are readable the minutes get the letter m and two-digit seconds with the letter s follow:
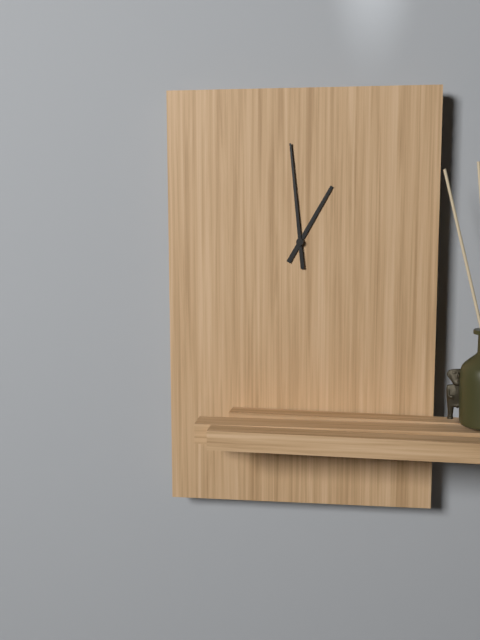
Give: 12h59
